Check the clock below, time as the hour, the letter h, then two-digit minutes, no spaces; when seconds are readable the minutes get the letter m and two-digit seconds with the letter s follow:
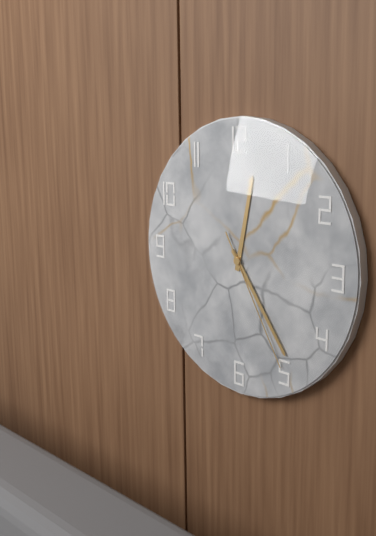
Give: 12h24m25s
